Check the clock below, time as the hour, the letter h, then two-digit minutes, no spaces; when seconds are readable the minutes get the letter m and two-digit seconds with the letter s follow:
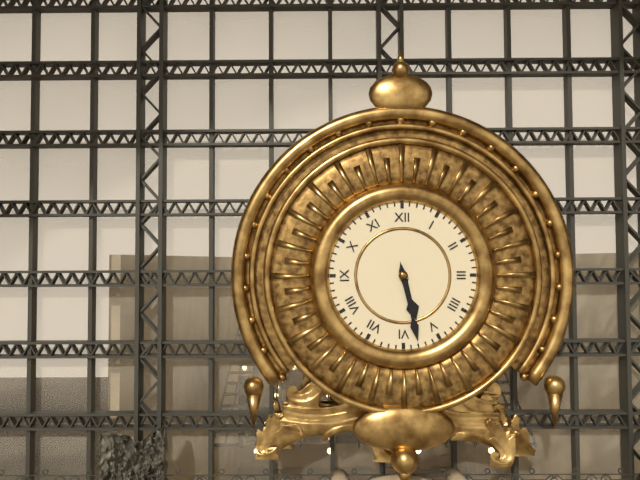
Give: 5h28
